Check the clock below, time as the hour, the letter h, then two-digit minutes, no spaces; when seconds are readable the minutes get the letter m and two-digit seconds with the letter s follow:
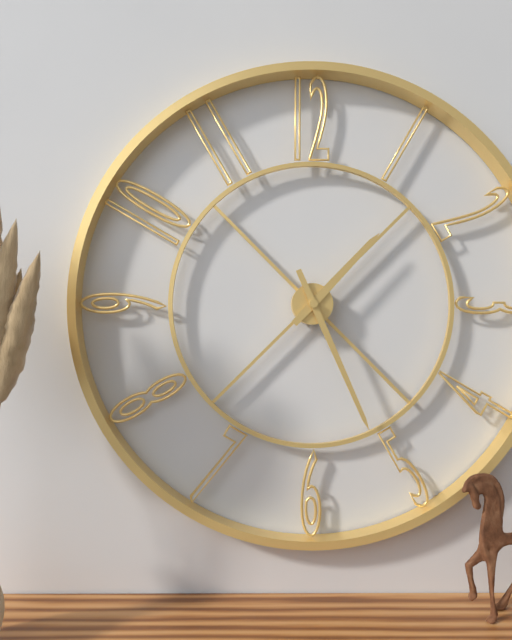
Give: 1h26
